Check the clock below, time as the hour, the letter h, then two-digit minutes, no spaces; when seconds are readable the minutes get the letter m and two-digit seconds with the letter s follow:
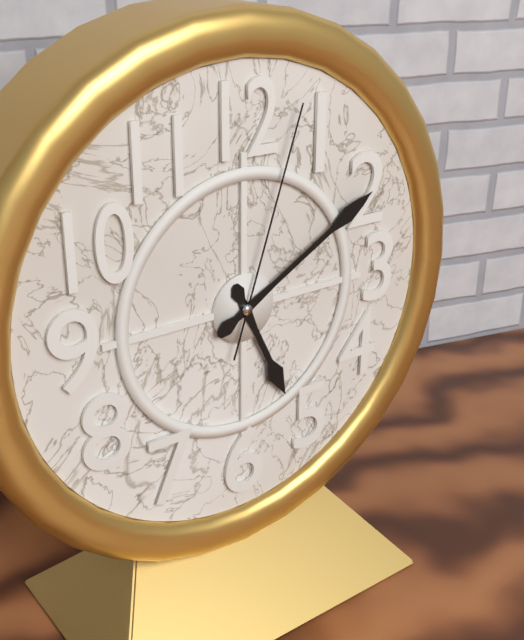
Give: 5h10m03s
